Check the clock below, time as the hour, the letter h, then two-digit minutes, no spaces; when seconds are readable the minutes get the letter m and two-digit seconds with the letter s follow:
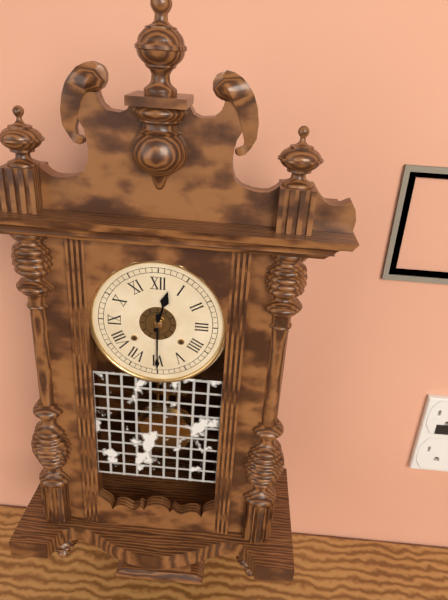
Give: 12h30
